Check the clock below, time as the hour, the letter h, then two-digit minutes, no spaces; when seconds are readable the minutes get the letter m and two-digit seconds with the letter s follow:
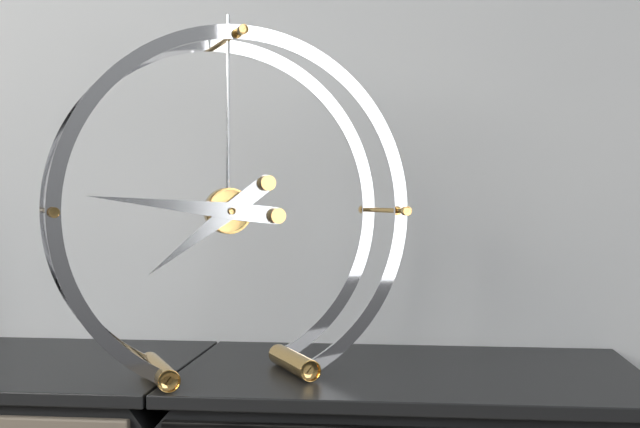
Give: 7h46
